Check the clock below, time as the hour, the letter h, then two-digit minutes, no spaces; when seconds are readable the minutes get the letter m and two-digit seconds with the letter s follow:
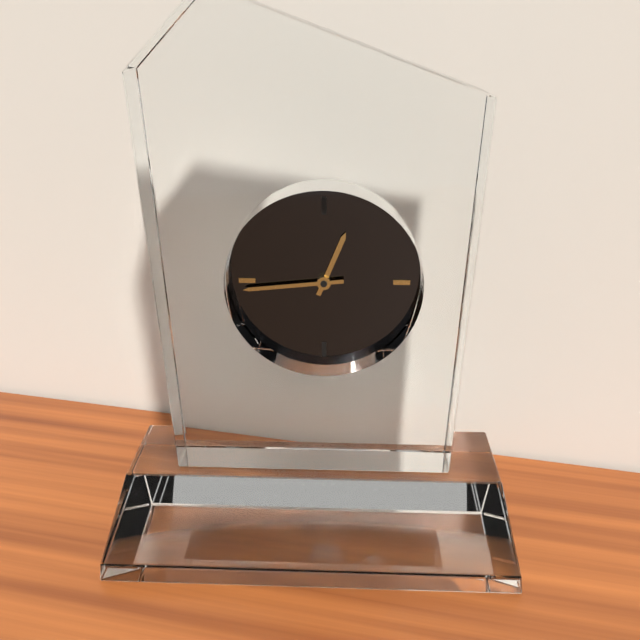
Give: 12h44
